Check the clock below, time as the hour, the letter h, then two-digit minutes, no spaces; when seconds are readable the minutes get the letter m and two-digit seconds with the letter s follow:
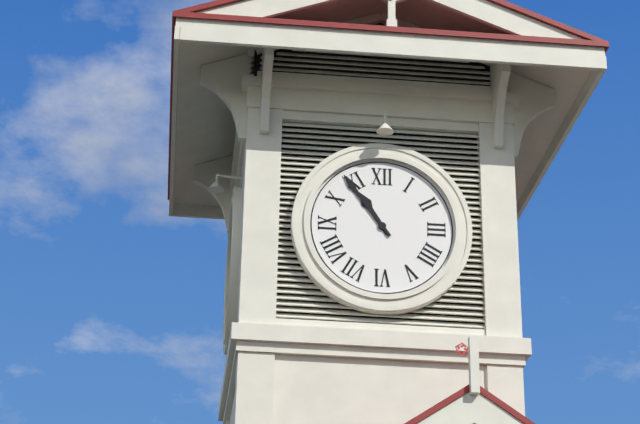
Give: 10h54
